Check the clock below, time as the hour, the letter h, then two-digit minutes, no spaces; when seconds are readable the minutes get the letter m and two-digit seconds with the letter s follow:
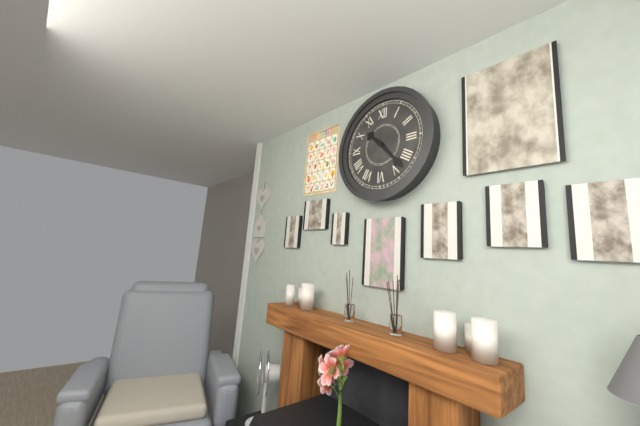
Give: 10h23
